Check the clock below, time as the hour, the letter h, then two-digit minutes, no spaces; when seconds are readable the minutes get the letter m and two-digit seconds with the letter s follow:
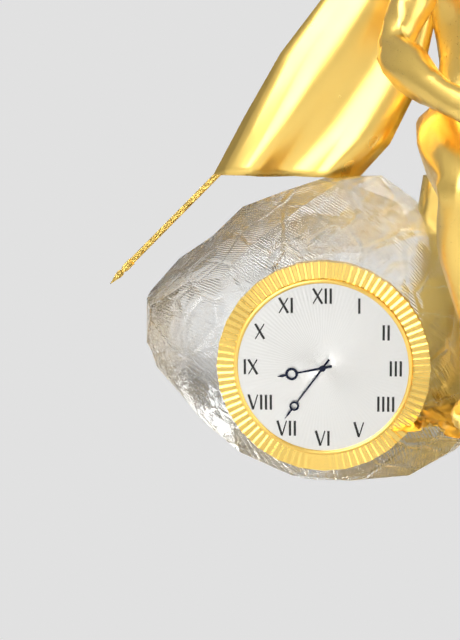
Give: 8h36
